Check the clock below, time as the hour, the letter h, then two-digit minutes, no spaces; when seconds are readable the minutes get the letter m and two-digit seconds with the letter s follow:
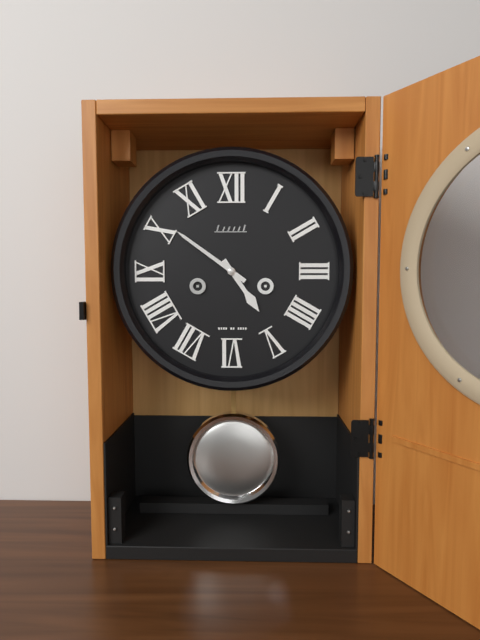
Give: 4h51
